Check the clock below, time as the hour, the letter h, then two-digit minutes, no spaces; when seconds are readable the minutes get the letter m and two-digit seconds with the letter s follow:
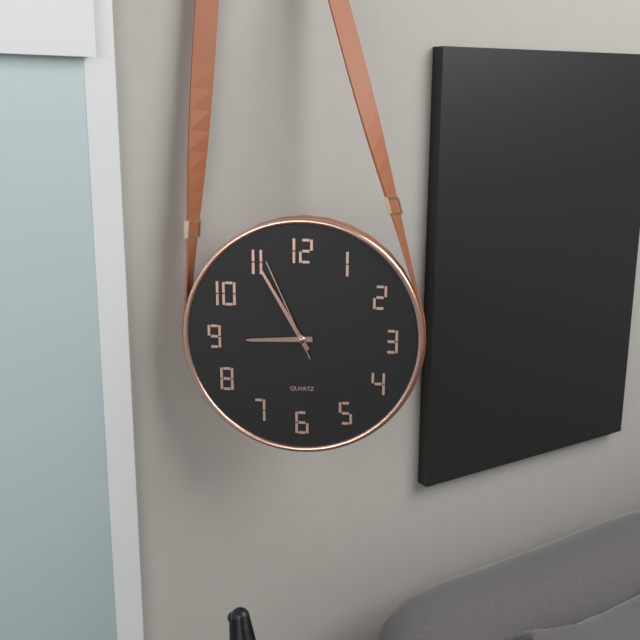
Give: 8h55m56s
